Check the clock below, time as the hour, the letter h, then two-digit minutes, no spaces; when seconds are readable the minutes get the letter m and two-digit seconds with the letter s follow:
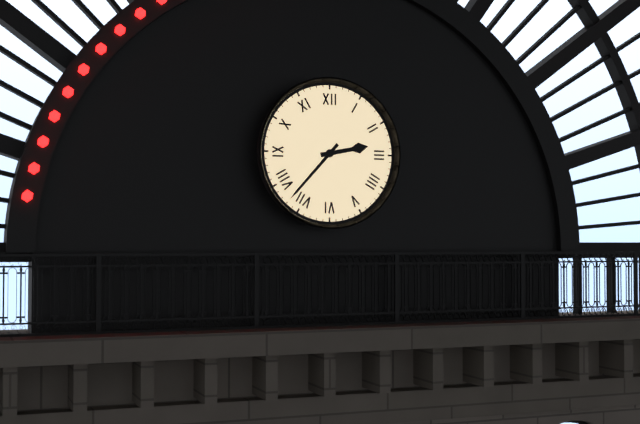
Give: 2h37
